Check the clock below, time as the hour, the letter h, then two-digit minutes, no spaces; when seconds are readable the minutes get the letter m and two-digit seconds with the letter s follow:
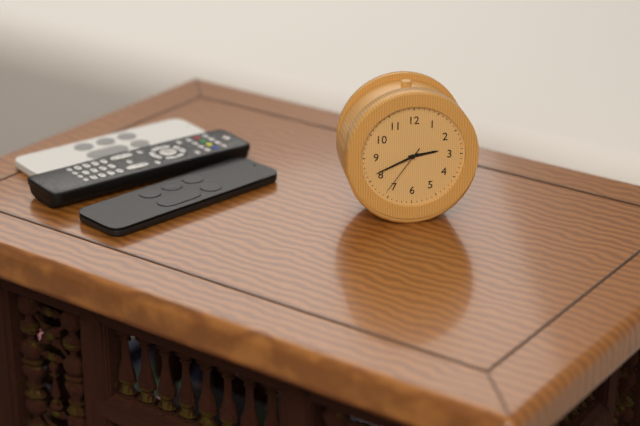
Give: 2h41m36s
